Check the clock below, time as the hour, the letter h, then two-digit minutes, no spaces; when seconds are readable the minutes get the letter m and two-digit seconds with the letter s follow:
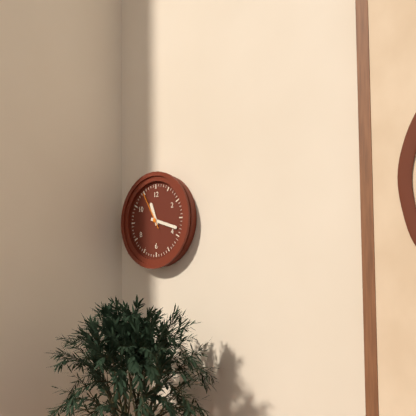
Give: 11h18
